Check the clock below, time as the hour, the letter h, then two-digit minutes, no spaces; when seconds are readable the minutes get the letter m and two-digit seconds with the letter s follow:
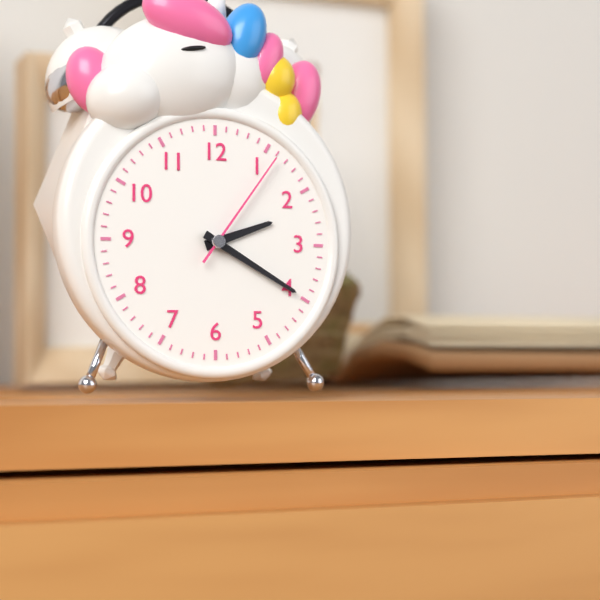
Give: 2h20m06s
